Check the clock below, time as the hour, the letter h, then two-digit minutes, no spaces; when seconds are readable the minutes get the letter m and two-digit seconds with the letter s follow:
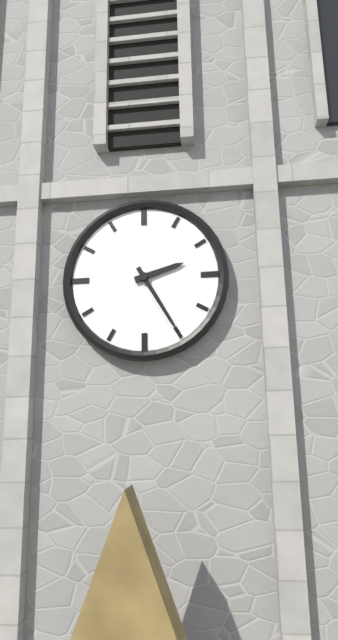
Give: 2h25
